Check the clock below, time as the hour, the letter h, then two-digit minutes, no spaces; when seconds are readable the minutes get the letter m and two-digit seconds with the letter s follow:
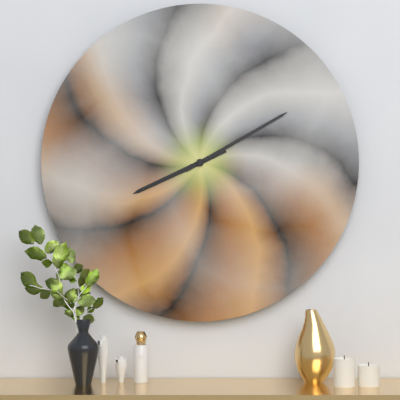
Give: 8h10
